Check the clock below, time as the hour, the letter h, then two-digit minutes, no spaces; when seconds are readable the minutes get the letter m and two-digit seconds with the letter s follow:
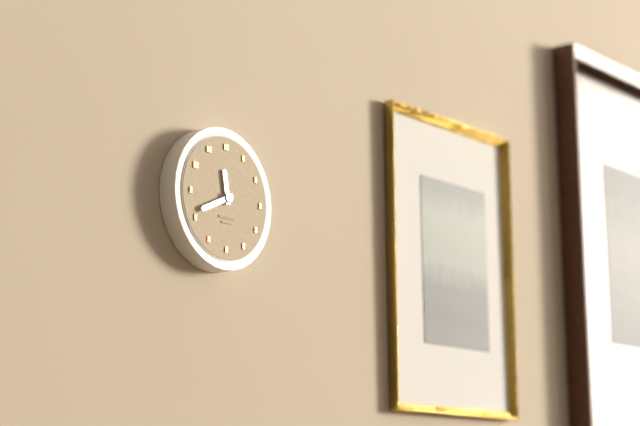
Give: 11h41
